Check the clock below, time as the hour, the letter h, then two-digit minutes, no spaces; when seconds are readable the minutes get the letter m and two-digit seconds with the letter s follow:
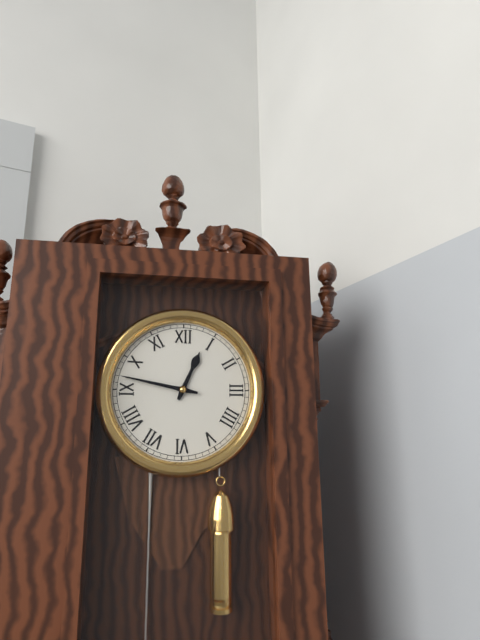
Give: 12h47
